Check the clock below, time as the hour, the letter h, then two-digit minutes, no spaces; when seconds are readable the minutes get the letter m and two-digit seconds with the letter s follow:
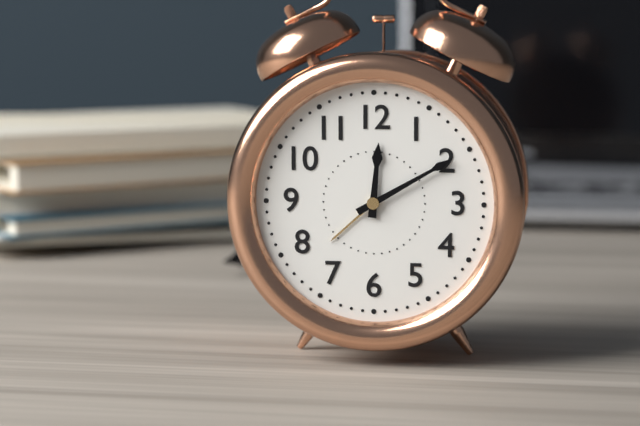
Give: 12h10
